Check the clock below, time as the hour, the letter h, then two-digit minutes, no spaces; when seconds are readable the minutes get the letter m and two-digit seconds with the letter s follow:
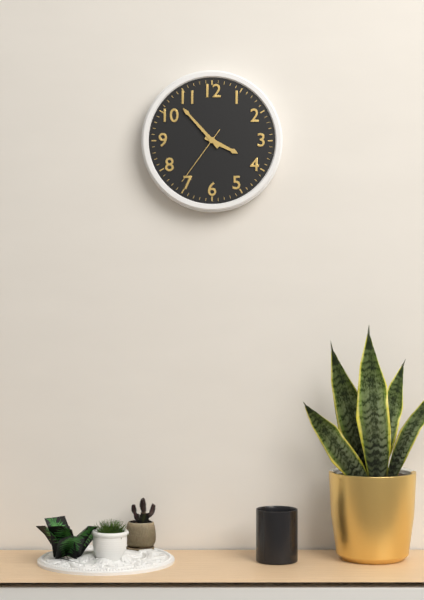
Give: 3h53m36s
